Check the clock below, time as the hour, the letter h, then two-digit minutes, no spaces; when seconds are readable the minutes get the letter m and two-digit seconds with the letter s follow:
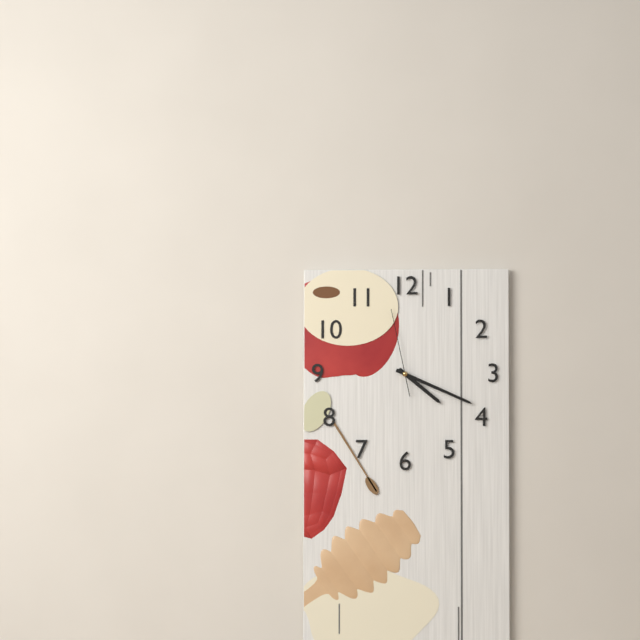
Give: 4h19m58s
